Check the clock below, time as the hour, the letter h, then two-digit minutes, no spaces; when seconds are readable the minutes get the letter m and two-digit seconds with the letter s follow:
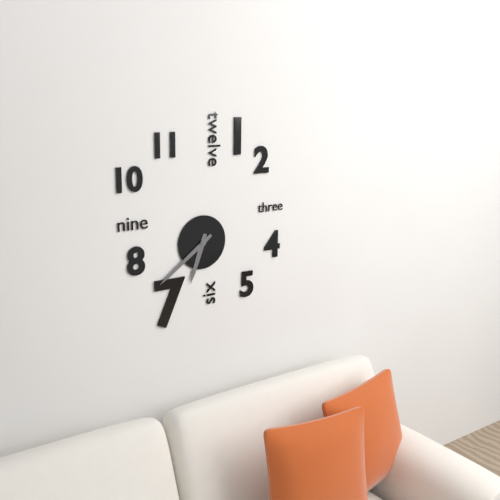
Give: 6h39
